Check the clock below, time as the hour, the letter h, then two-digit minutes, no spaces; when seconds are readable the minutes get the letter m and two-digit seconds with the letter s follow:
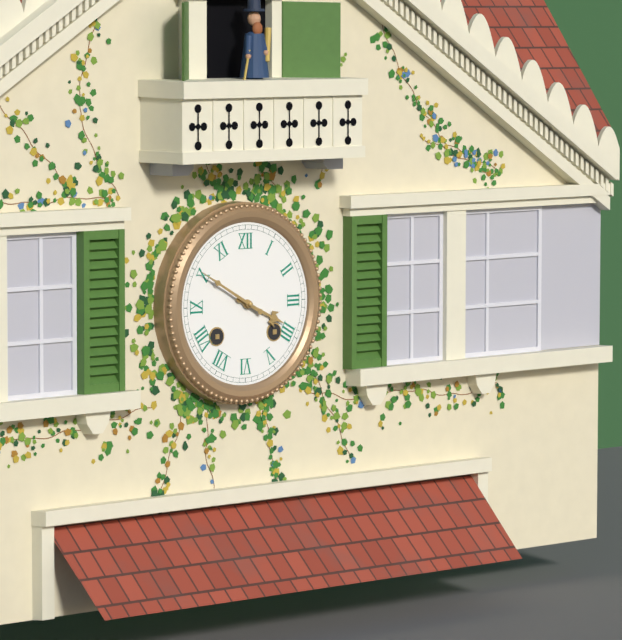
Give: 3h50
